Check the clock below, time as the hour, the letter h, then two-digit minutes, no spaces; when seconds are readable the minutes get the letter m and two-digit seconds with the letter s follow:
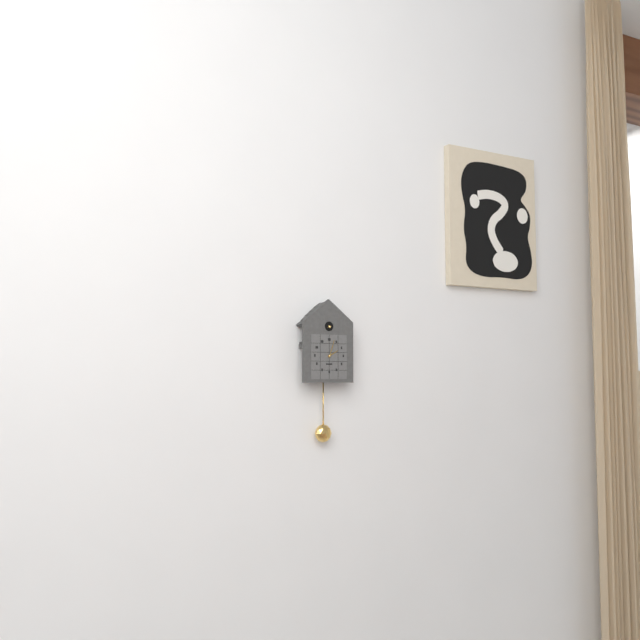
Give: 2h03
